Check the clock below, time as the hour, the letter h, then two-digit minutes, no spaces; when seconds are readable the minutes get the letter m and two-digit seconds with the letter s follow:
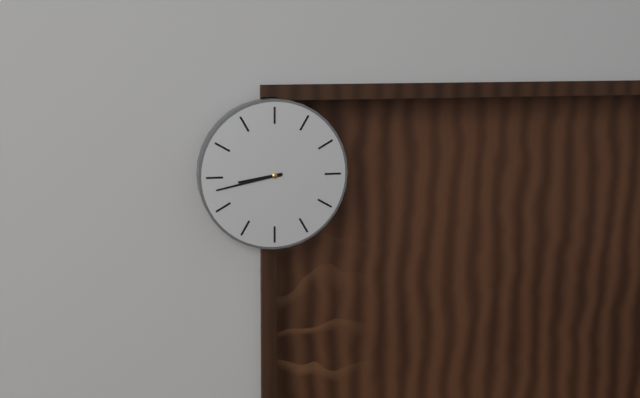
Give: 8h43
